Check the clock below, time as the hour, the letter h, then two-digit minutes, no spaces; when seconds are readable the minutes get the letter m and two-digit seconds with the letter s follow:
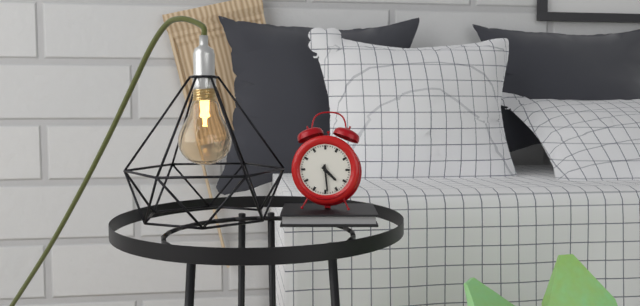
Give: 4h29
